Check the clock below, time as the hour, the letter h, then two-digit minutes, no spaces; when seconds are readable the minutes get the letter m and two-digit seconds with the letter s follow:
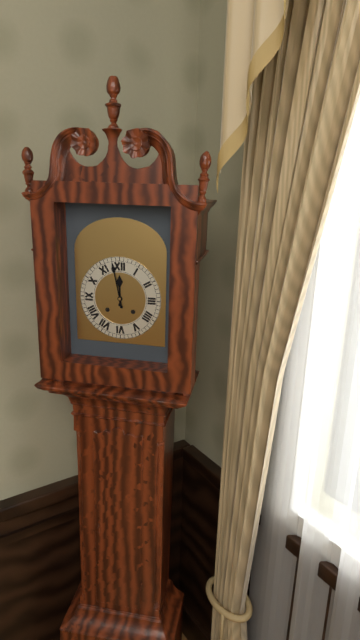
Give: 11h58
